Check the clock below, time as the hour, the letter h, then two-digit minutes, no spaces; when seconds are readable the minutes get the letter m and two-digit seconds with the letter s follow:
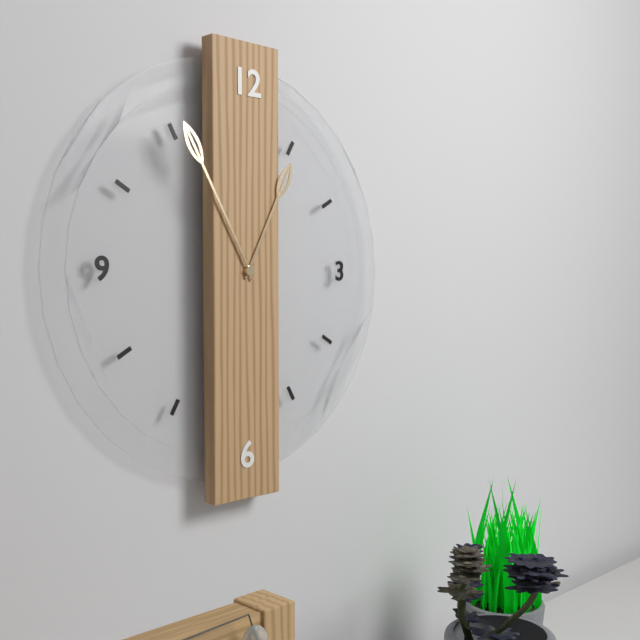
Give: 12h55
